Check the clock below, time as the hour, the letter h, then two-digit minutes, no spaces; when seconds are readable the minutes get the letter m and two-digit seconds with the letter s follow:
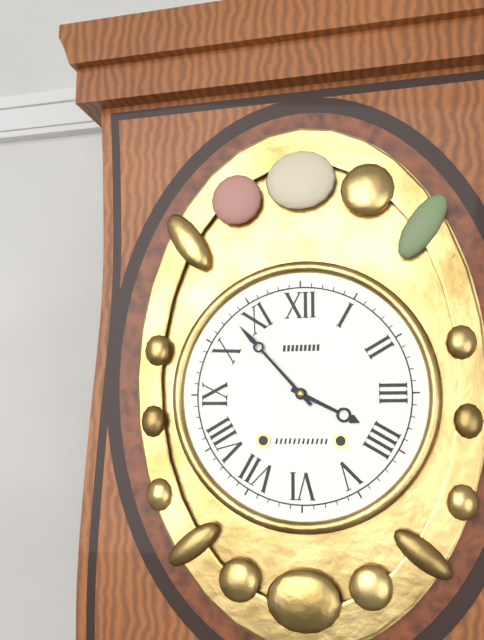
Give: 3h53
